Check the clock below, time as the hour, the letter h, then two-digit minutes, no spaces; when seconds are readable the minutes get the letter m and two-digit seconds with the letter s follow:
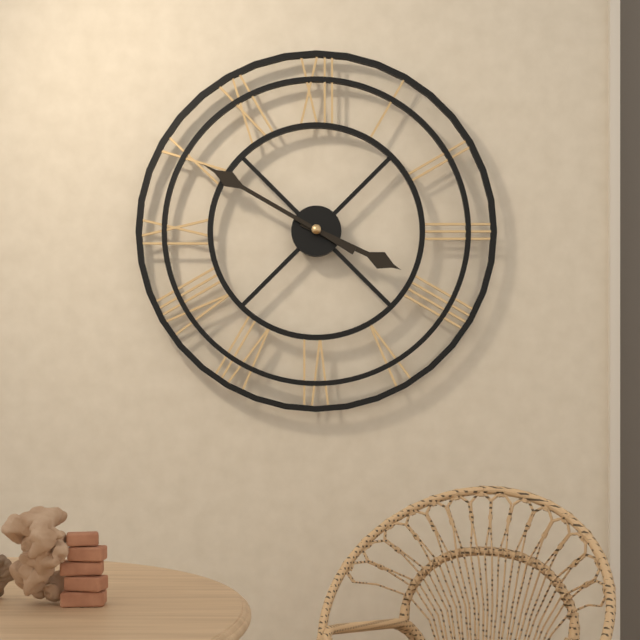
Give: 3h50
